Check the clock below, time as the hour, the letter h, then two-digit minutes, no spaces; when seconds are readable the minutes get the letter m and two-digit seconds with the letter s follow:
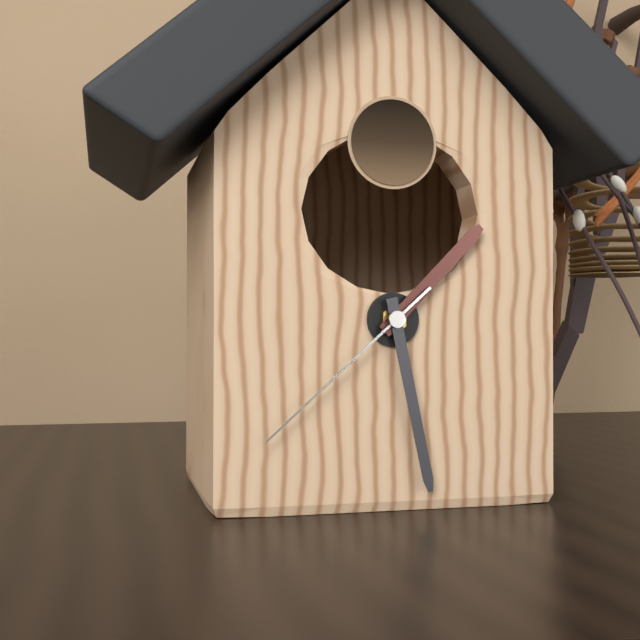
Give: 1h28m38s
